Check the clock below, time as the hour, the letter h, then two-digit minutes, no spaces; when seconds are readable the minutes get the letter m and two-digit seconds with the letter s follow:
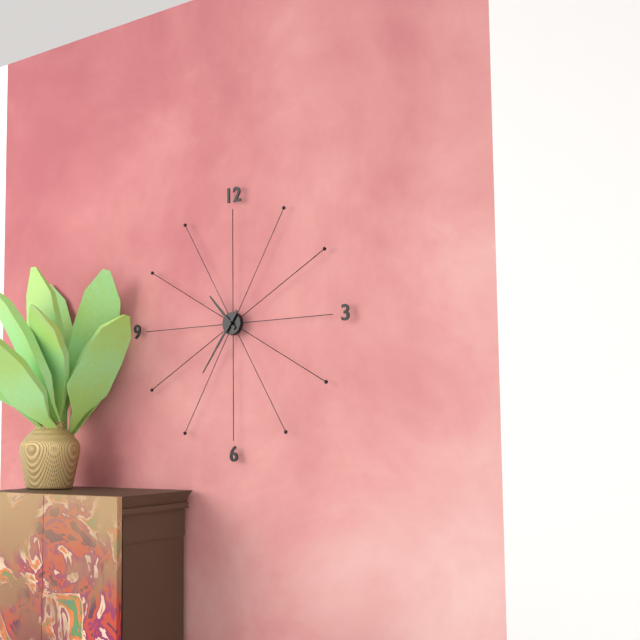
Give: 10h36
